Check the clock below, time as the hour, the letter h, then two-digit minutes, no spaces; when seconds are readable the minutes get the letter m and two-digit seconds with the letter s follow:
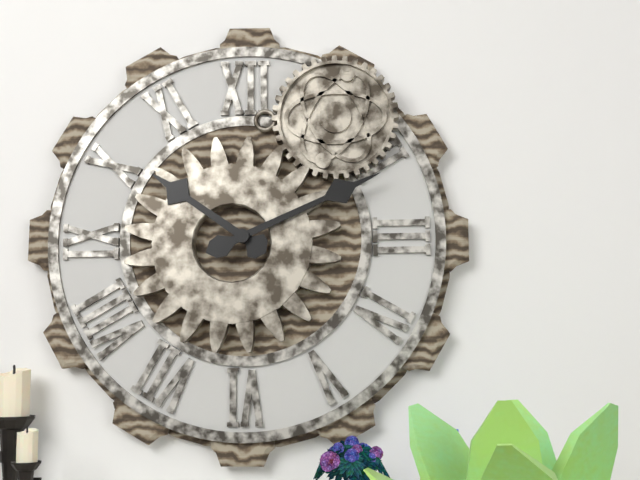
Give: 10h11
